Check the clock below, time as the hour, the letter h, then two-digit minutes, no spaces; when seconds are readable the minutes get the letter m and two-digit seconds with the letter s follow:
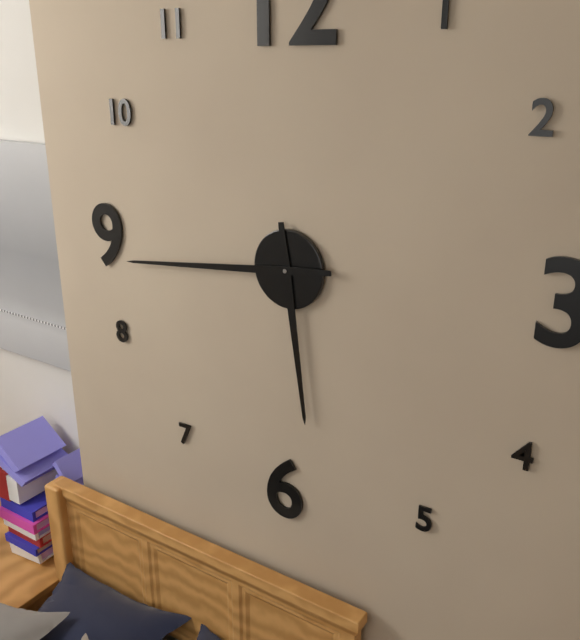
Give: 5h44
